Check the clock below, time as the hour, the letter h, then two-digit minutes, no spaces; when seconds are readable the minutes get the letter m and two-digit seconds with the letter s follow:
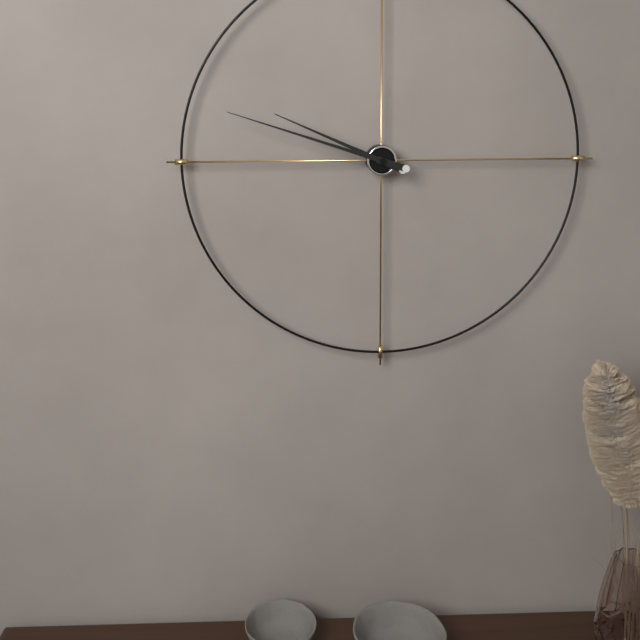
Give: 9h48
